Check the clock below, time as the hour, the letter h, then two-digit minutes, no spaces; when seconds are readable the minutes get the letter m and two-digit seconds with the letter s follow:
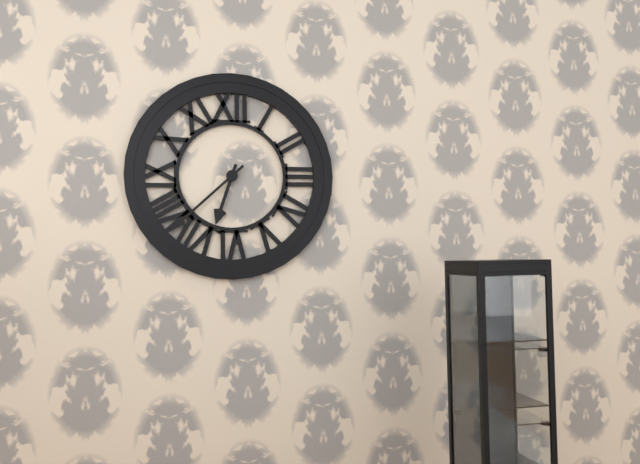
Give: 6h38
